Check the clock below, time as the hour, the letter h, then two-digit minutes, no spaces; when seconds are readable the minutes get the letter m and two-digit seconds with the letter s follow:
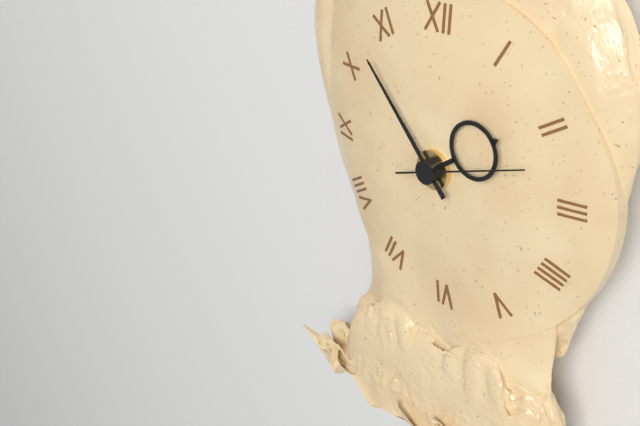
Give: 1h53m12s
